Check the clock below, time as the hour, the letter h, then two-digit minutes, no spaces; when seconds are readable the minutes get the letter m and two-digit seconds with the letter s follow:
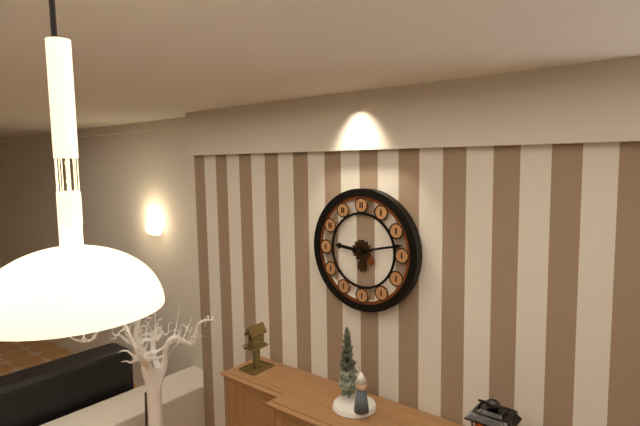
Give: 9h13
